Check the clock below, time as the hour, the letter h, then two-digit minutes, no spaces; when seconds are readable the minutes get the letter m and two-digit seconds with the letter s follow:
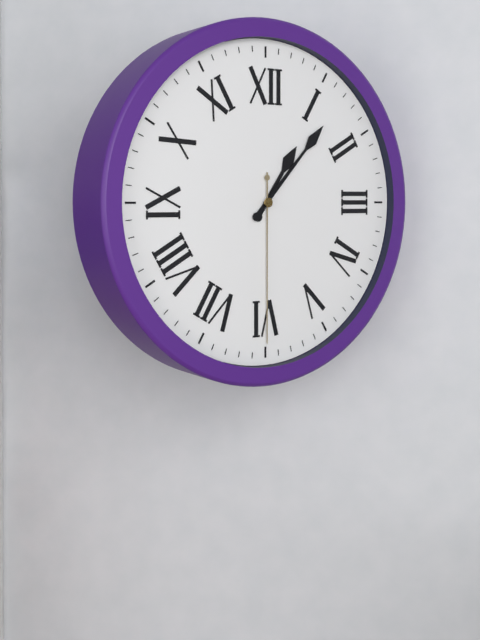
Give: 1h07m30s
